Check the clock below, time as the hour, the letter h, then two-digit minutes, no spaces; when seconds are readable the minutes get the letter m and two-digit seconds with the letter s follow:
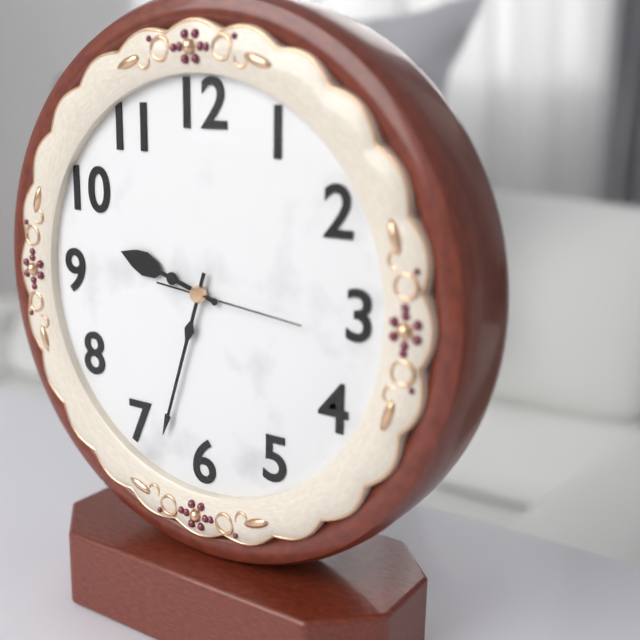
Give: 9h33m16s
